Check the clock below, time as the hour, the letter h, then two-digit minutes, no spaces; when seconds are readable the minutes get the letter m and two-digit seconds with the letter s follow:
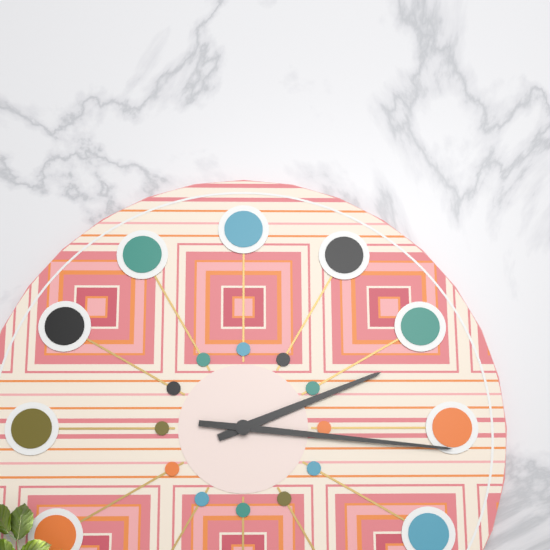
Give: 2h16
